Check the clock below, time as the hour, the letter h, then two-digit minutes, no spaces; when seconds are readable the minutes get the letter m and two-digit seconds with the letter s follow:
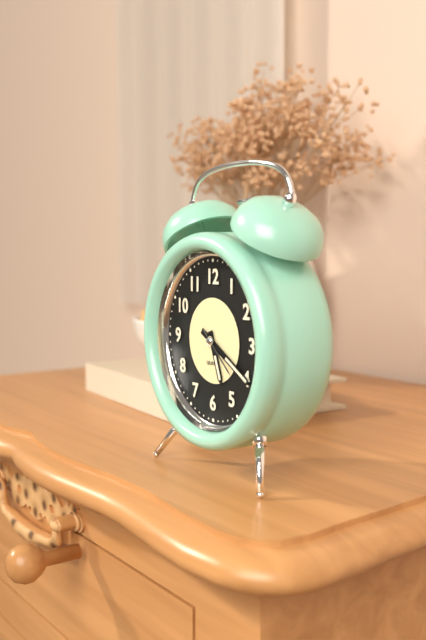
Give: 5h20
